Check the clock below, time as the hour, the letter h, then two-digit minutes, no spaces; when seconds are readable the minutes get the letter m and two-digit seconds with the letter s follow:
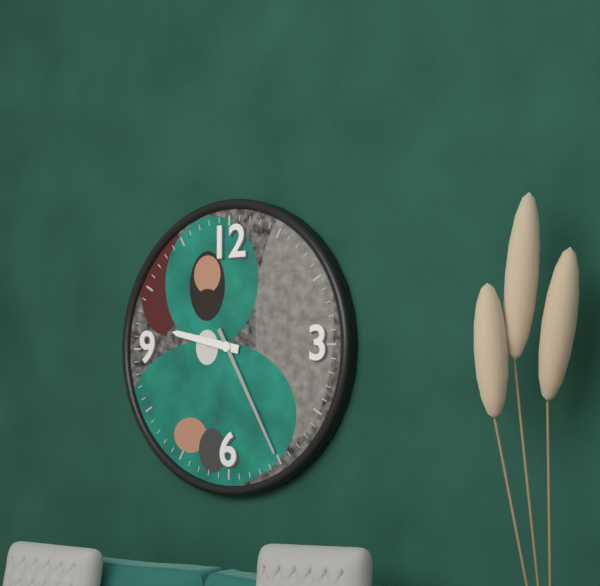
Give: 9h25
